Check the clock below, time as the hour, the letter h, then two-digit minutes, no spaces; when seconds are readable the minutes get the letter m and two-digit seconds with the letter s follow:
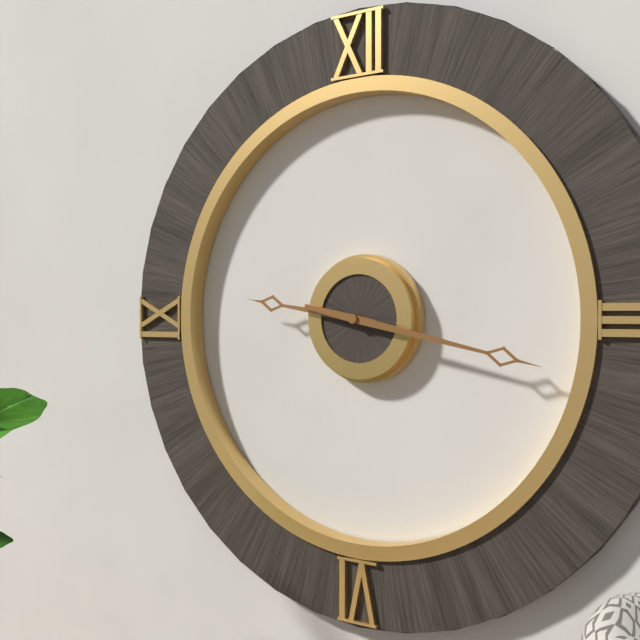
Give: 9h17
